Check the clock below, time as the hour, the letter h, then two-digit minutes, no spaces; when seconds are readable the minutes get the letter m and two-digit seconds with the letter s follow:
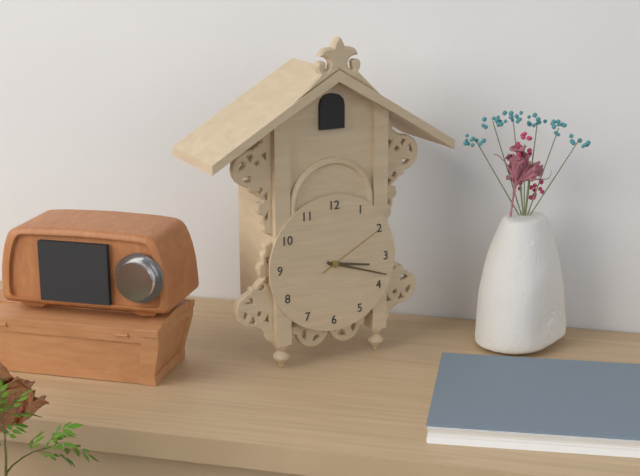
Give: 3h18m10s
